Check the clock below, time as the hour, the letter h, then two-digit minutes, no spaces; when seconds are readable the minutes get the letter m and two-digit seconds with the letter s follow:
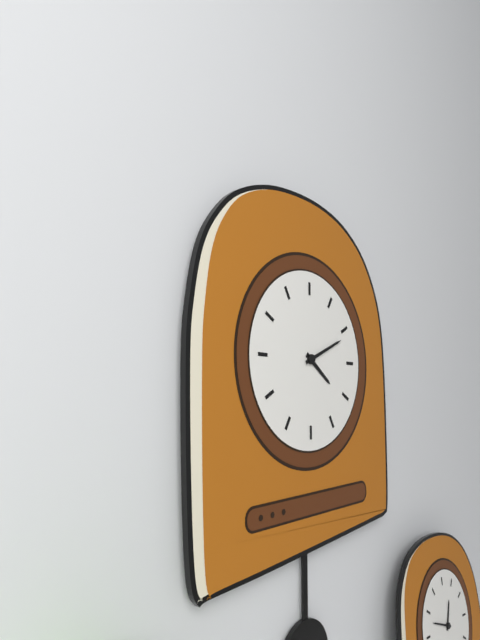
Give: 4h11
